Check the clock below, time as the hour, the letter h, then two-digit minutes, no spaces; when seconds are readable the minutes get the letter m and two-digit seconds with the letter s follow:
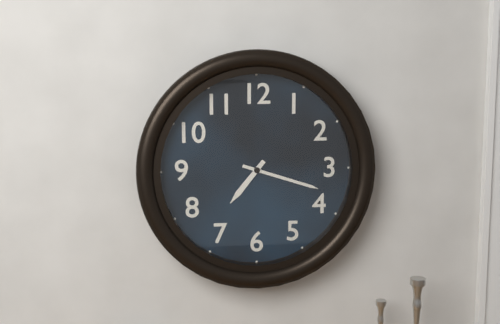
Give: 7h18
